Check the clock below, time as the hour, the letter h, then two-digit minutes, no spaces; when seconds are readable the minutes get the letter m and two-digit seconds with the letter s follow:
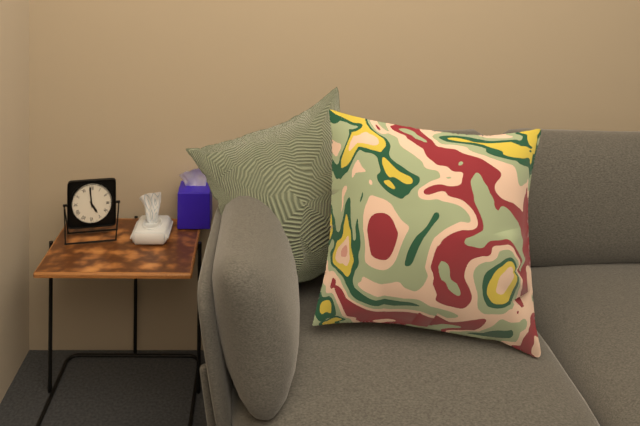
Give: 4h59
